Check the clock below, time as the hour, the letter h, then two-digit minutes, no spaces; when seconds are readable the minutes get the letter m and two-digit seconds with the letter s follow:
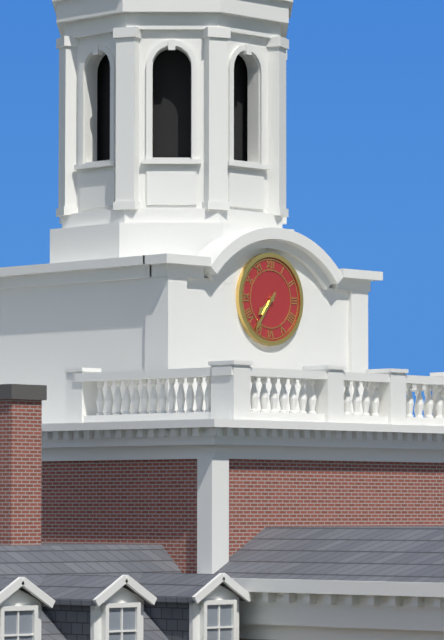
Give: 7h36
